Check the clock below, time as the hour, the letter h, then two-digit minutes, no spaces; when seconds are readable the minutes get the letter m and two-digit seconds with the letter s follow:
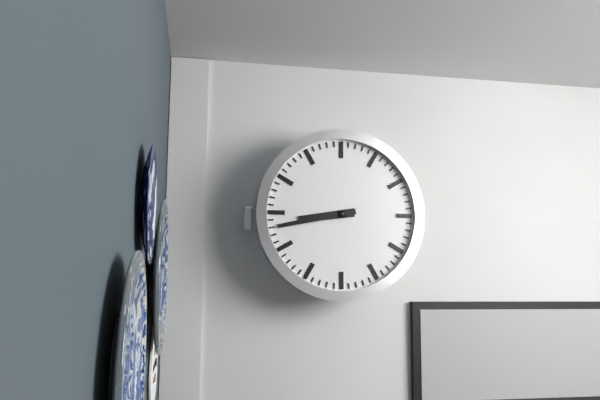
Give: 8h43
